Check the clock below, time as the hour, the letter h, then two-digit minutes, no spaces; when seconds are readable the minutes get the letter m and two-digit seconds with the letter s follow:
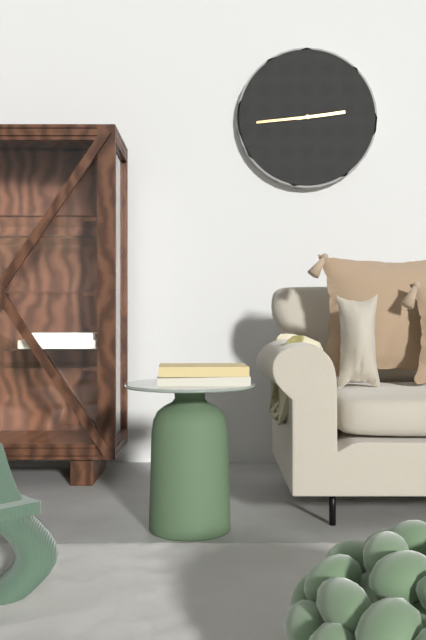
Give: 2h44
